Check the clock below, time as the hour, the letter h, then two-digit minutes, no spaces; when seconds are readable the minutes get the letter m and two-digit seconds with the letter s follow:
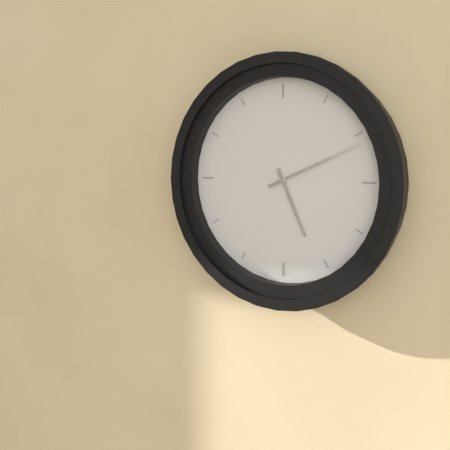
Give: 5h11
